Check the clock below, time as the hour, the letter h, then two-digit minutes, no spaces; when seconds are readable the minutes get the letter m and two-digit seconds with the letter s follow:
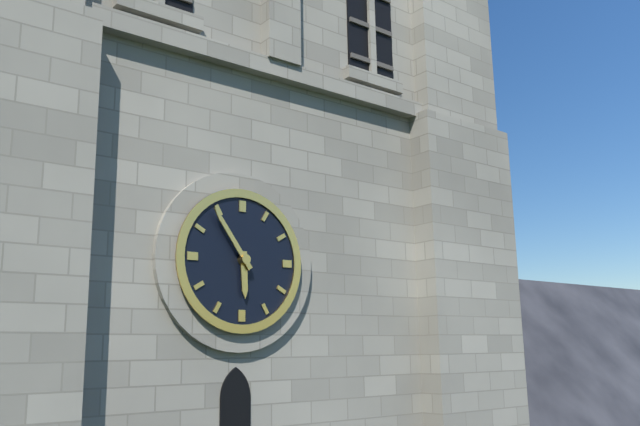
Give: 5h54
